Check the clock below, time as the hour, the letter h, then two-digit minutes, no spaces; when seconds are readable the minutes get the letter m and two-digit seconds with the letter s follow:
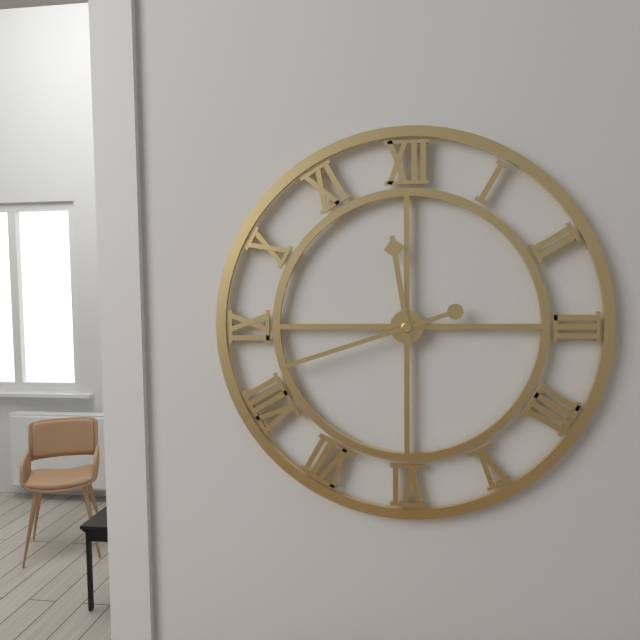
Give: 11h42
